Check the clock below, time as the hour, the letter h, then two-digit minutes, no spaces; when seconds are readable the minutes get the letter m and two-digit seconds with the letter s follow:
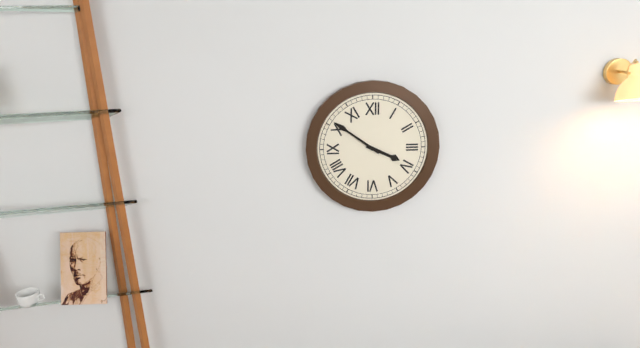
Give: 3h51
